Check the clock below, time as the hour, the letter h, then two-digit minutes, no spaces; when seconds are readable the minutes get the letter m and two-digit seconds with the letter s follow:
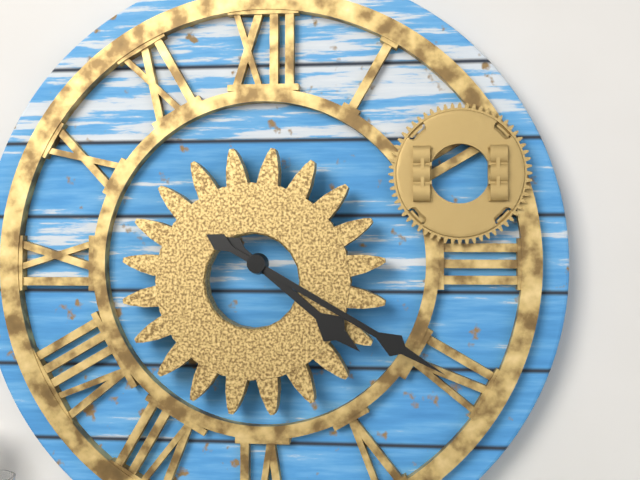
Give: 4h20
